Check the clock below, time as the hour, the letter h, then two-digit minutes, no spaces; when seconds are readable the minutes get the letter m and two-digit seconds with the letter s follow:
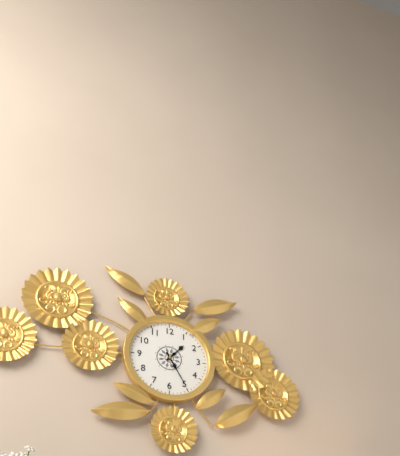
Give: 1h25
